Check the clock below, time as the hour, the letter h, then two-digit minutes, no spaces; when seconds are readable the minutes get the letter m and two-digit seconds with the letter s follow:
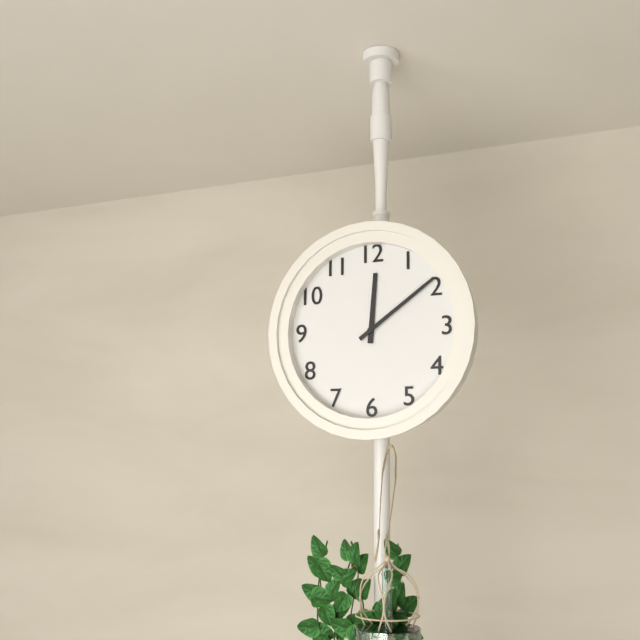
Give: 12h09
